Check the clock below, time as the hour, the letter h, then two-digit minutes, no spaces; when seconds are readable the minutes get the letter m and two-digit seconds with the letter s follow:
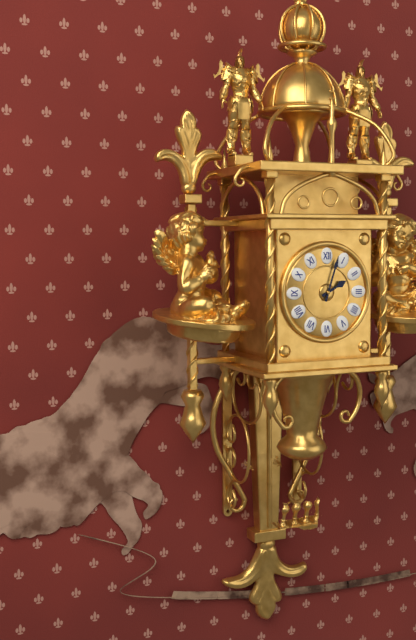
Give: 2h03
